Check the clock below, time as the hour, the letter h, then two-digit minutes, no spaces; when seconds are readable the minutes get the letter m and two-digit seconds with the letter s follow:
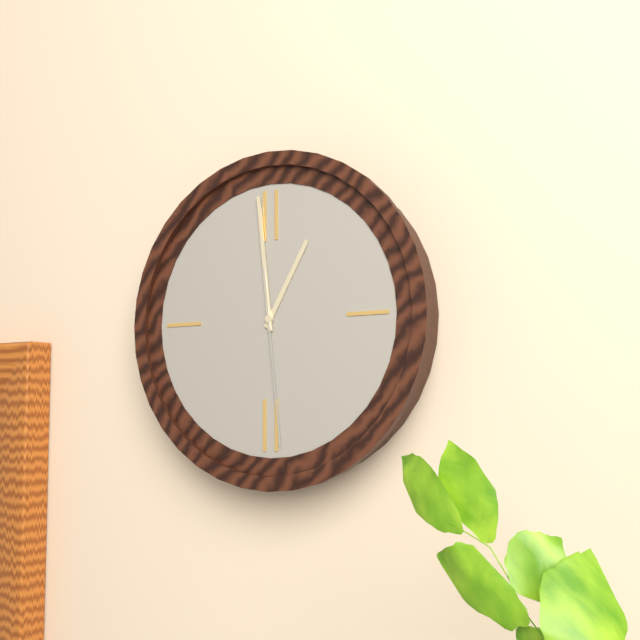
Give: 12h59m29s
